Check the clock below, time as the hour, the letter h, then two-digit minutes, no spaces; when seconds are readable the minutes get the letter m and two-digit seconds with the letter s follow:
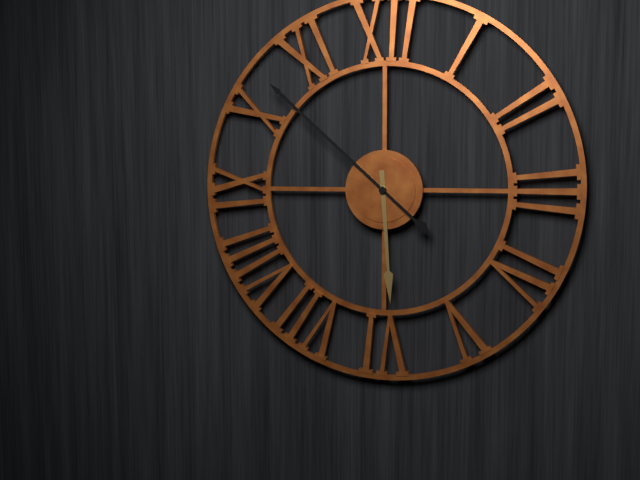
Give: 5h52
